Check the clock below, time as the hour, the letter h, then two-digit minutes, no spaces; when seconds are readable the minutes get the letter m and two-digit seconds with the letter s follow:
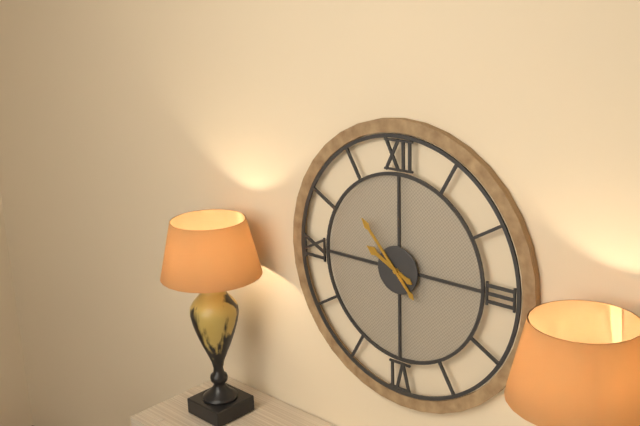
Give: 9h53
